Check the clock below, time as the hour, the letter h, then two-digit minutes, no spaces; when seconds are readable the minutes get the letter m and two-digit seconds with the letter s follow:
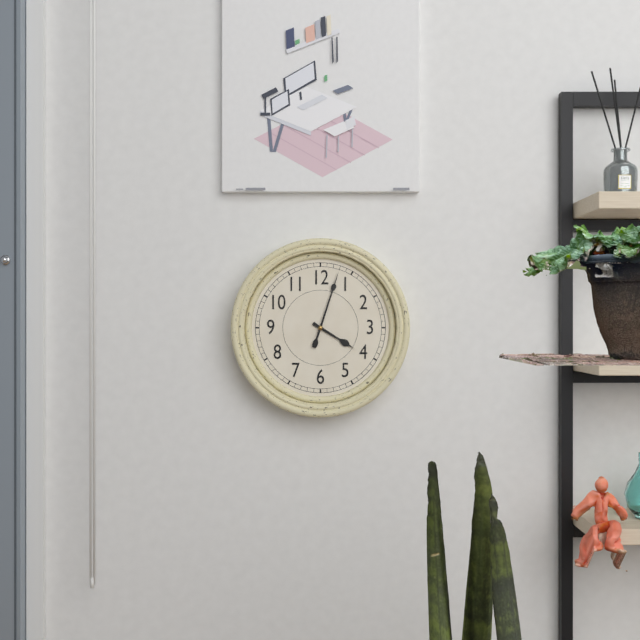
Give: 4h03
